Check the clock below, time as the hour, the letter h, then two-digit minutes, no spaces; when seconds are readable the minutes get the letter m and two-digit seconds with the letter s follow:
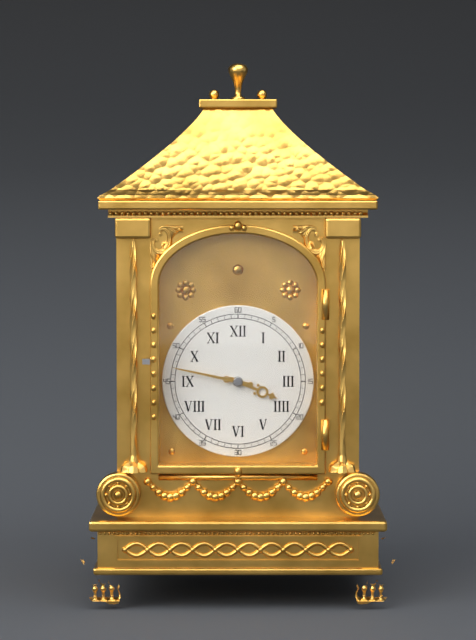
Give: 3h47
